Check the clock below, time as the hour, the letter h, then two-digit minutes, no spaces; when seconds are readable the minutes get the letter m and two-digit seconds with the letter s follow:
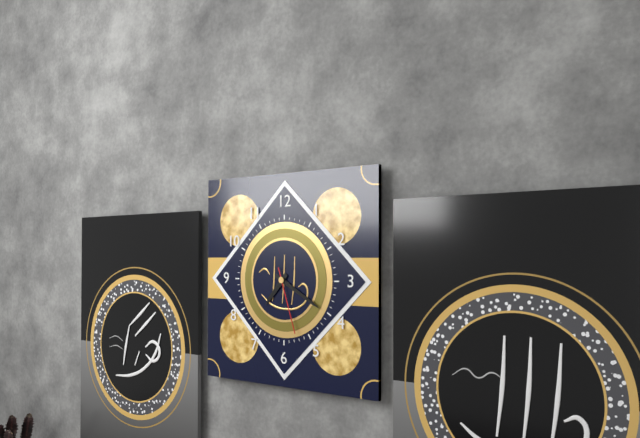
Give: 7h20m27s
